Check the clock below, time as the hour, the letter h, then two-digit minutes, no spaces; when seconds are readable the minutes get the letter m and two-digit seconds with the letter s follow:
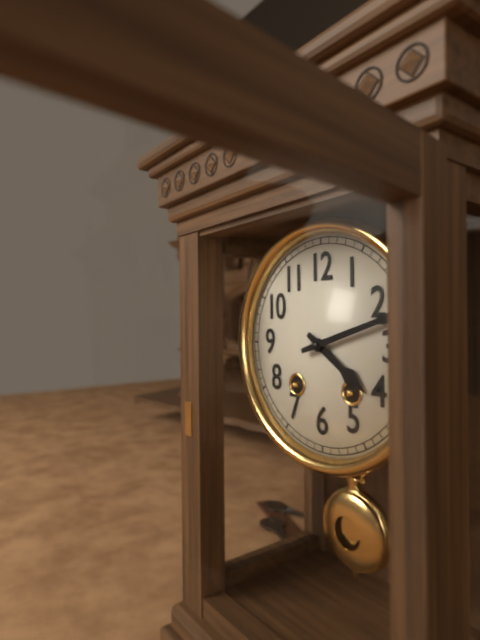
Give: 4h12
